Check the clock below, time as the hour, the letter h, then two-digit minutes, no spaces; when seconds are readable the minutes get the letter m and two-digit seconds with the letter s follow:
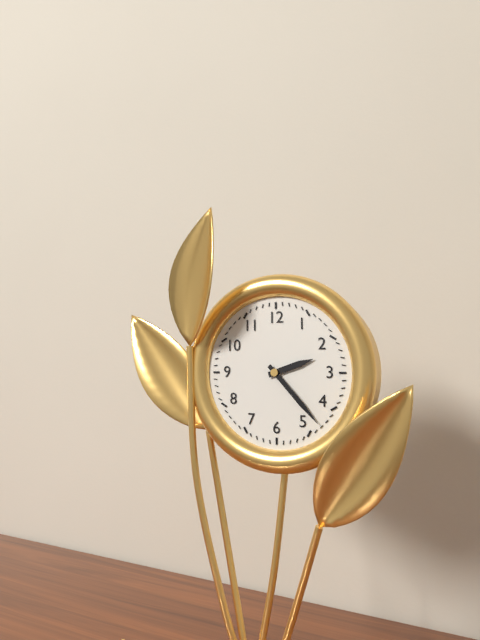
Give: 2h23
